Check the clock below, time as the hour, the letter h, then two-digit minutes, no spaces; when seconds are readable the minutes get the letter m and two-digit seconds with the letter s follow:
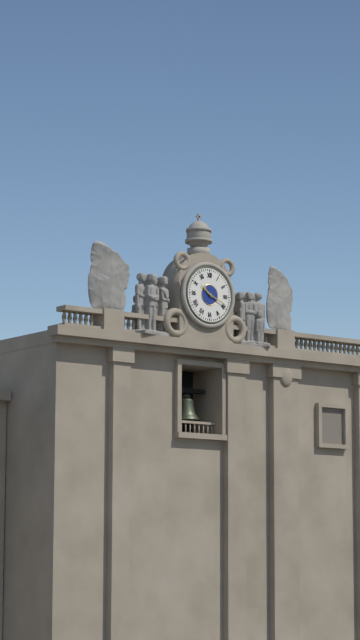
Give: 10h19
